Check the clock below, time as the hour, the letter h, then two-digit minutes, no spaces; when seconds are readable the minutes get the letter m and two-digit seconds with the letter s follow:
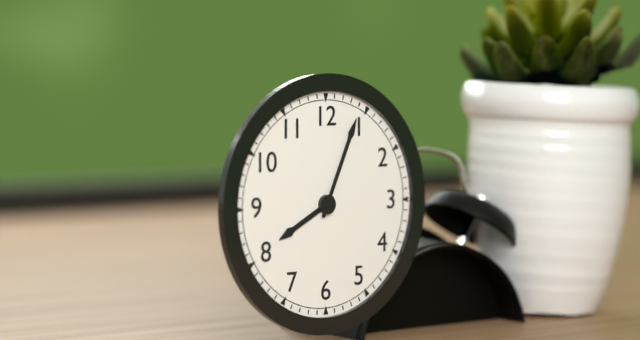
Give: 8h04
